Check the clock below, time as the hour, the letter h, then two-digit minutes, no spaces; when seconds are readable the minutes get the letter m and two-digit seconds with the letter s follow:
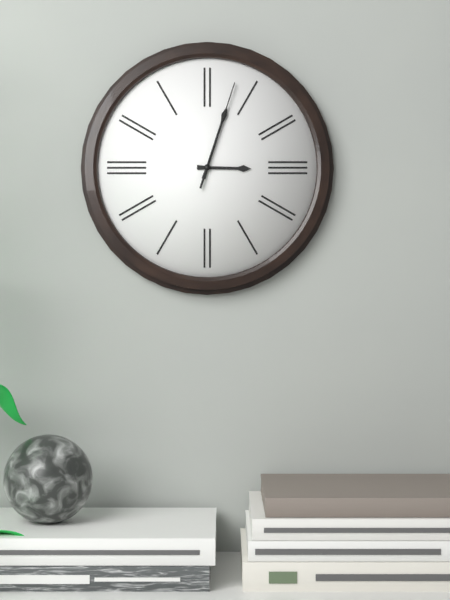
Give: 3h03m03s
